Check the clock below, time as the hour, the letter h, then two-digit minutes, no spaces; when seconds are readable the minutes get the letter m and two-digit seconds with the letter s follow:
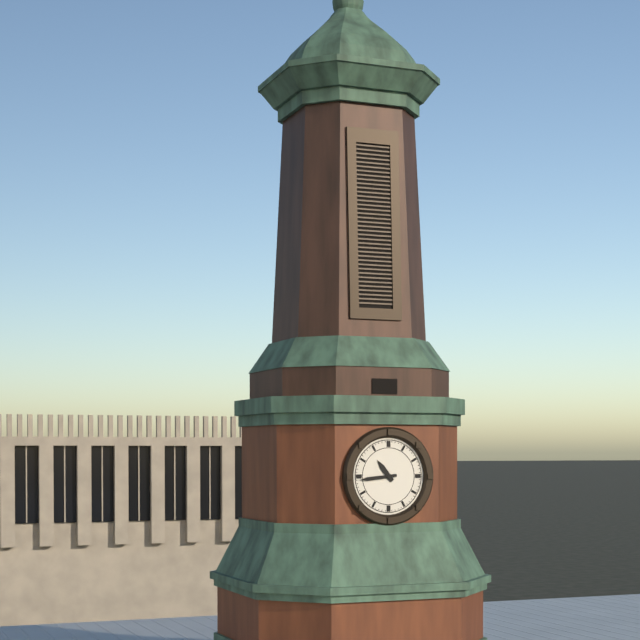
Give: 10h44
